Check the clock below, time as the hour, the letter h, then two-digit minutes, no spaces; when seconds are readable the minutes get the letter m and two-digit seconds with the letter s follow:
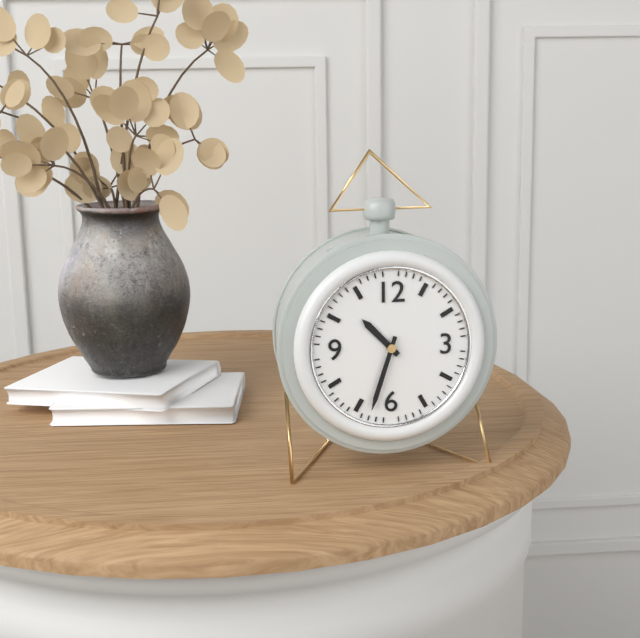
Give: 10h33
